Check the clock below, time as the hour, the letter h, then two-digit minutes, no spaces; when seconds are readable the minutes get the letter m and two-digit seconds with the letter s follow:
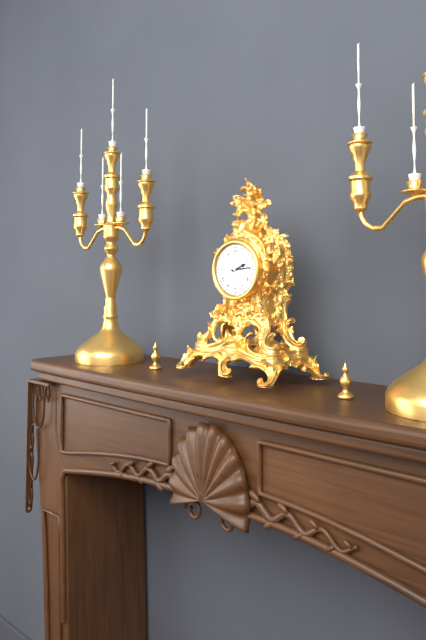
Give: 2h14
